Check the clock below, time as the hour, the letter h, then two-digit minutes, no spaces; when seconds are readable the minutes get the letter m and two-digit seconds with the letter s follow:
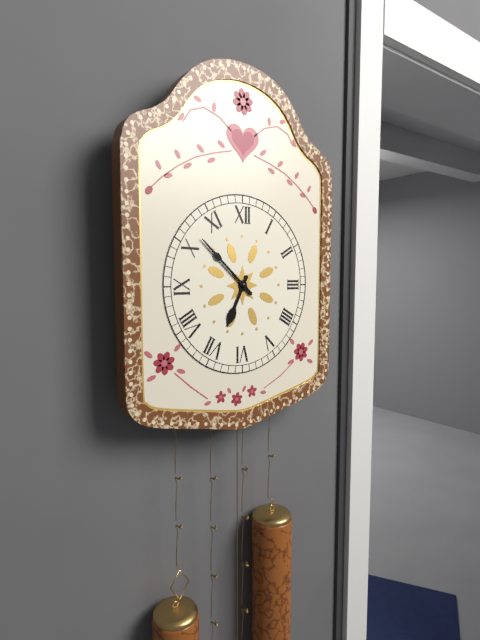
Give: 6h52
